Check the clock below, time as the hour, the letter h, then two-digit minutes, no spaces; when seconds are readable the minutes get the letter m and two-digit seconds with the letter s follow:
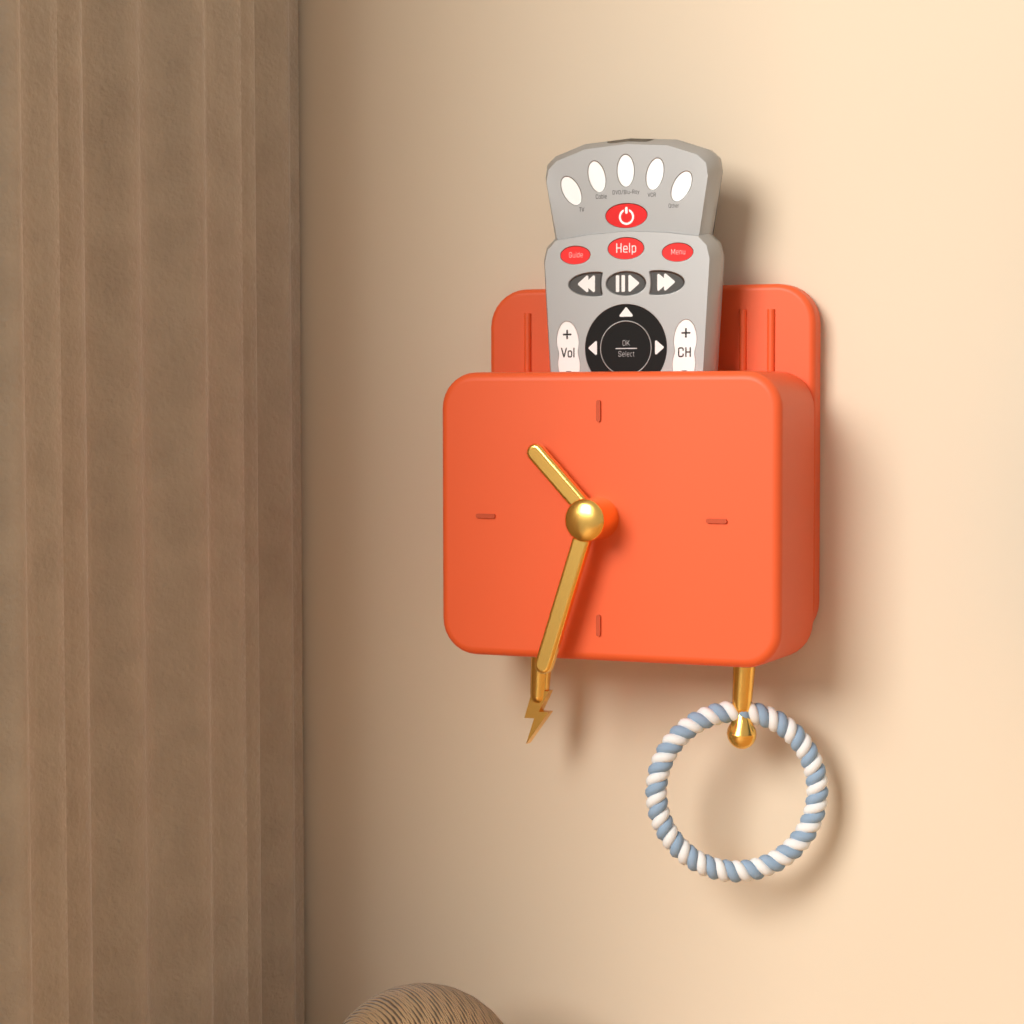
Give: 10h33
